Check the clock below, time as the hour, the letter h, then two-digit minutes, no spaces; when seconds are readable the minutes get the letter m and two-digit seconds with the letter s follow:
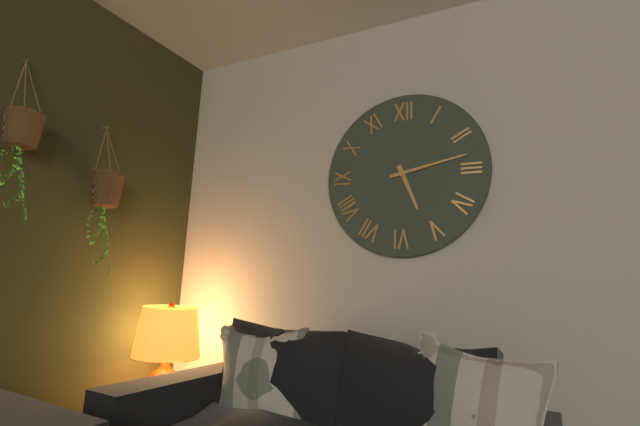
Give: 5h13
